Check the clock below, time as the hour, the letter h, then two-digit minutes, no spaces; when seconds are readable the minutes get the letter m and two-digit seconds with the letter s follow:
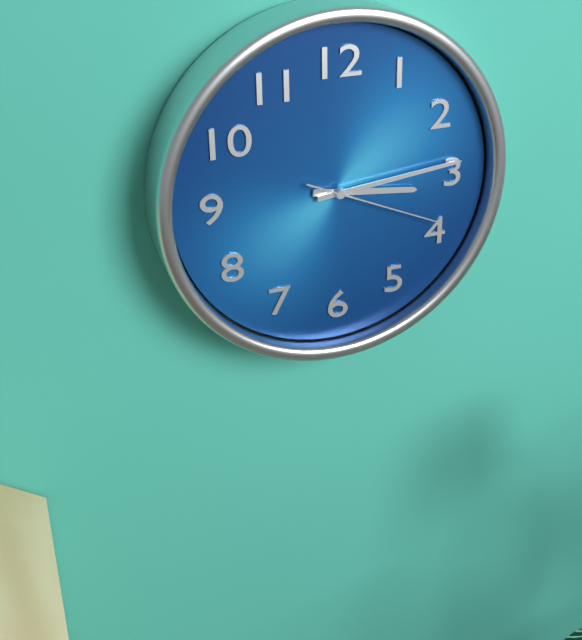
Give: 3h14m19s
